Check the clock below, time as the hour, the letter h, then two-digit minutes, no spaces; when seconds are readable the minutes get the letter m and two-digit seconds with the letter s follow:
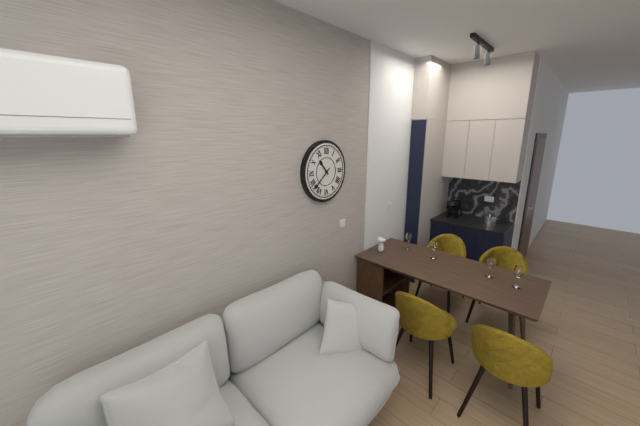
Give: 10h38
